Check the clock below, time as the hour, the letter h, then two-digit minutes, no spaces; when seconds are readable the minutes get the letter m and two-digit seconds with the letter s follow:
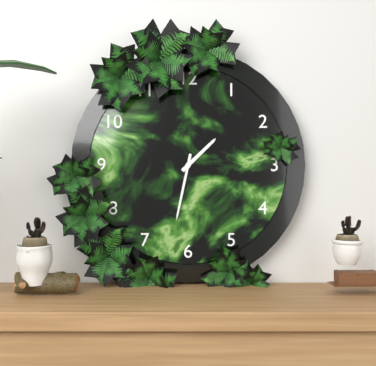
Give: 1h32
